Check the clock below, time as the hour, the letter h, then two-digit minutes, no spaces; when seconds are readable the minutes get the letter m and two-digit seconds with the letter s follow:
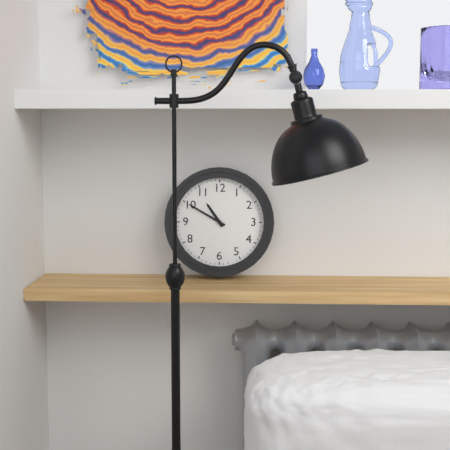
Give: 10h50
